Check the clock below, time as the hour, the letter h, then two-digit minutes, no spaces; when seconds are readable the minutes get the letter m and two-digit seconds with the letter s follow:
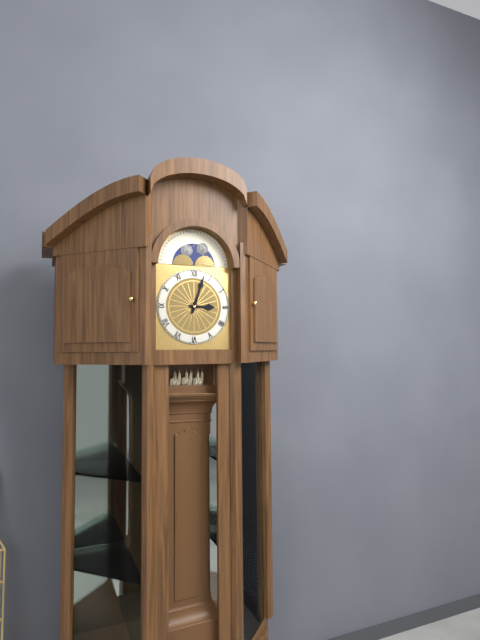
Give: 3h03
